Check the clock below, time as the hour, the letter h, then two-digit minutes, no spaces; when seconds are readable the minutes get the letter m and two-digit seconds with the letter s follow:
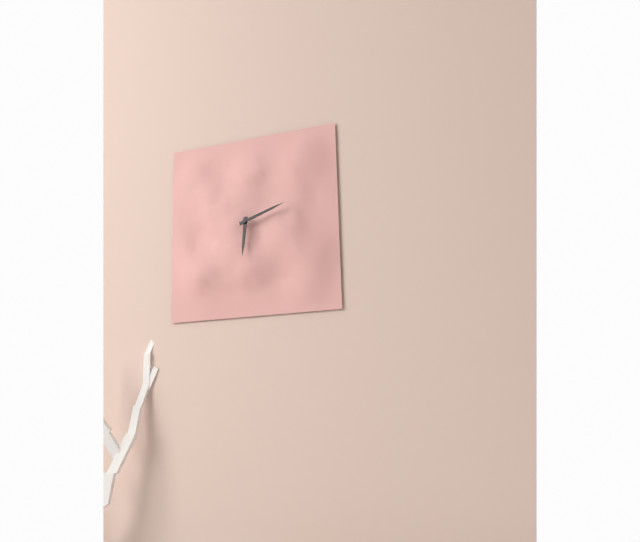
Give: 6h12
